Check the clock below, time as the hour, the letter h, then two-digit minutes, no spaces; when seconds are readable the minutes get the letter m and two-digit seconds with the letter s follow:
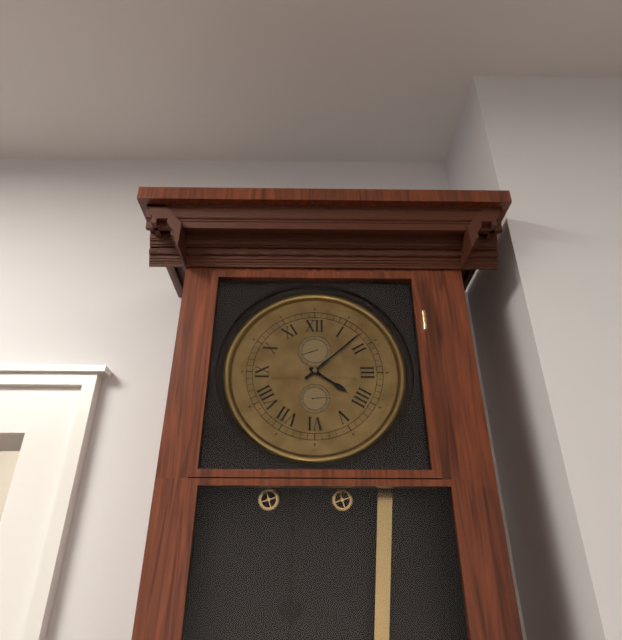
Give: 4h08
